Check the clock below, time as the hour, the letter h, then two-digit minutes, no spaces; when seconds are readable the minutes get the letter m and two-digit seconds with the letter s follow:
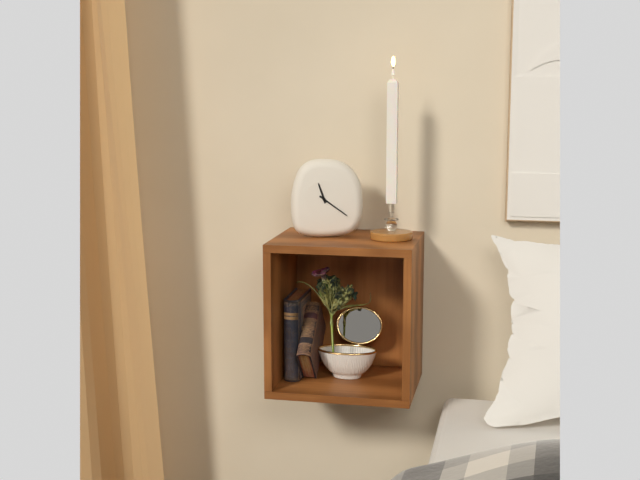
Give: 11h21
